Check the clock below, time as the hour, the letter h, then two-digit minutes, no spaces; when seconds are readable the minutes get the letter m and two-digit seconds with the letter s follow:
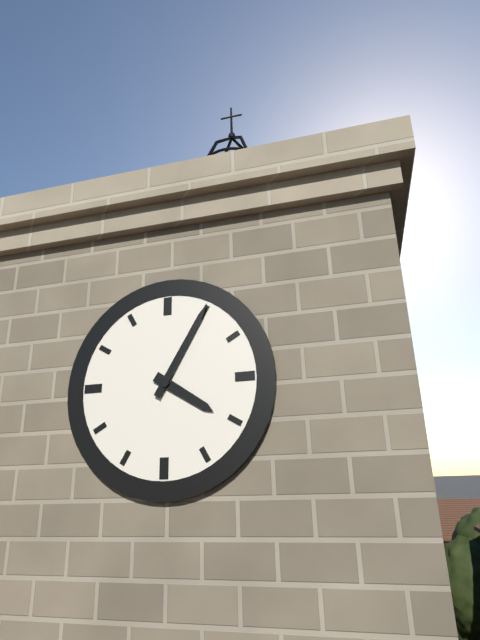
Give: 4h05
